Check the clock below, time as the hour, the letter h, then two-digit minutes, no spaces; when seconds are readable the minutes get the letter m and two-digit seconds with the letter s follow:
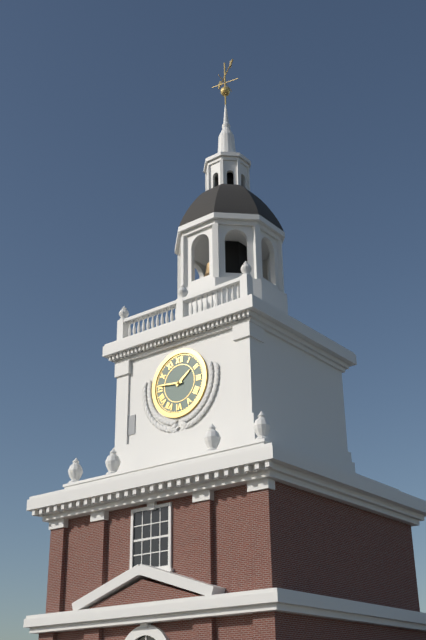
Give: 1h46
